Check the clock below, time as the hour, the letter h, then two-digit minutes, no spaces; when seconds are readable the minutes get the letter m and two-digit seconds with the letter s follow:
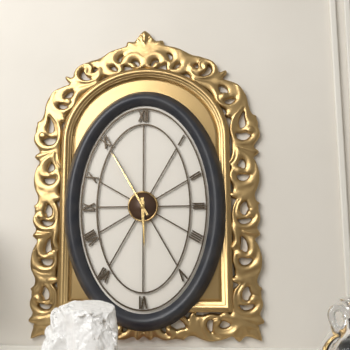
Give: 5h55
